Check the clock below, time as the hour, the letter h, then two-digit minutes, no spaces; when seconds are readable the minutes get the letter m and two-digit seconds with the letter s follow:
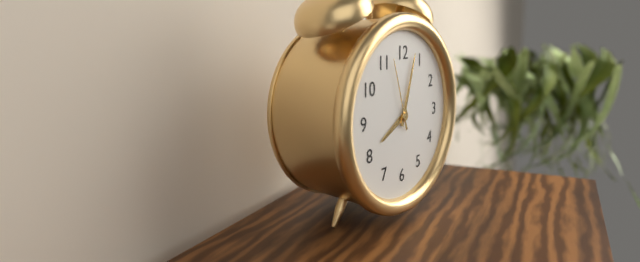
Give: 8h03m57s
